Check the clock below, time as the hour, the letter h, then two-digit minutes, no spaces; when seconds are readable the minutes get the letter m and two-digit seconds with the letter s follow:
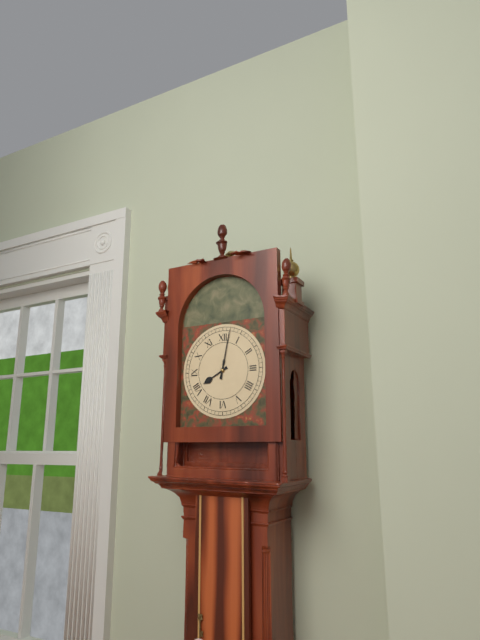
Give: 8h02
